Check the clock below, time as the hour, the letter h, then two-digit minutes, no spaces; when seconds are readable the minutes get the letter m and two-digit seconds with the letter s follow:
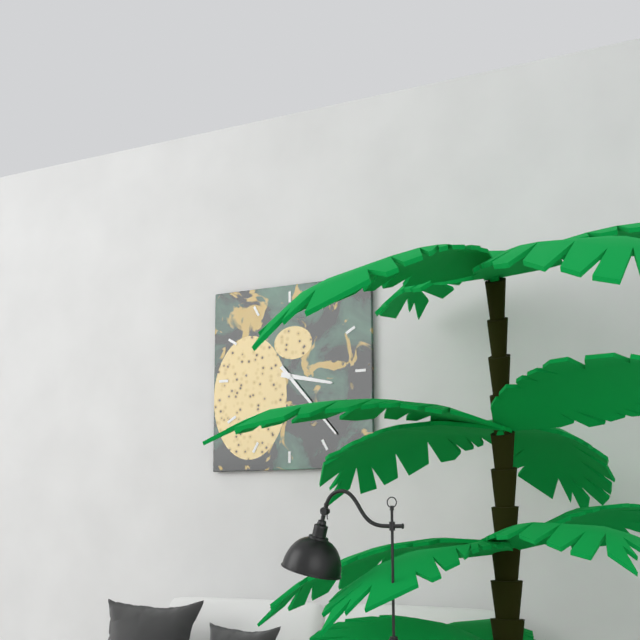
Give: 3h23
